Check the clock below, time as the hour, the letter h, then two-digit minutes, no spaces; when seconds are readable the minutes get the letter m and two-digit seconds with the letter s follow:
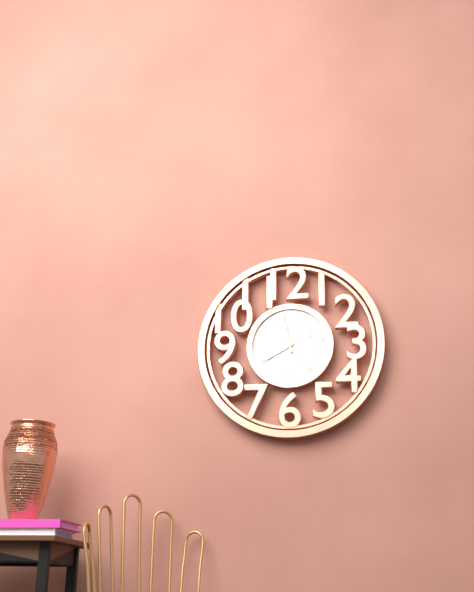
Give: 7h58
